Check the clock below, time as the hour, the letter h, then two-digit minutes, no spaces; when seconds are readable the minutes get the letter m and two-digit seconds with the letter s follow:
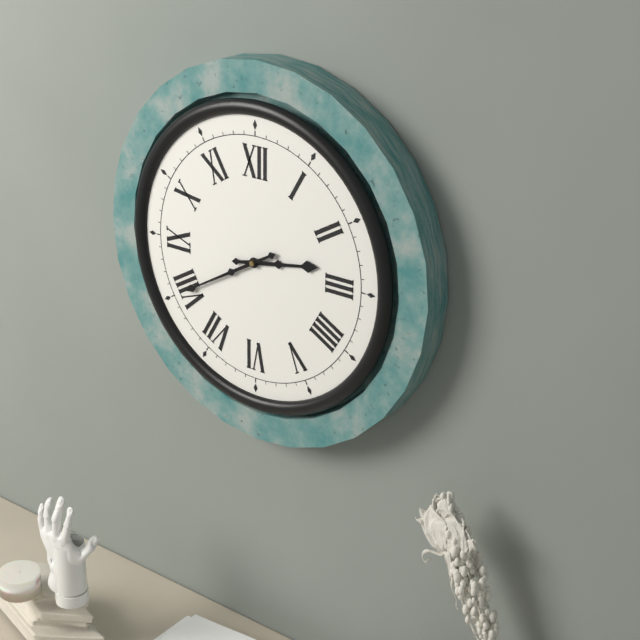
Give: 2h40
